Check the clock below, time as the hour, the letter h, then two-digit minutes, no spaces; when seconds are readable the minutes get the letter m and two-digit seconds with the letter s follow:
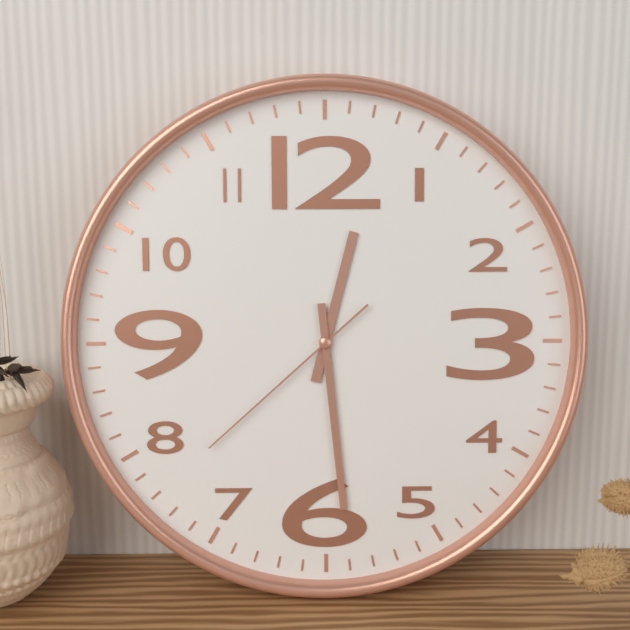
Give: 12h29m38s
